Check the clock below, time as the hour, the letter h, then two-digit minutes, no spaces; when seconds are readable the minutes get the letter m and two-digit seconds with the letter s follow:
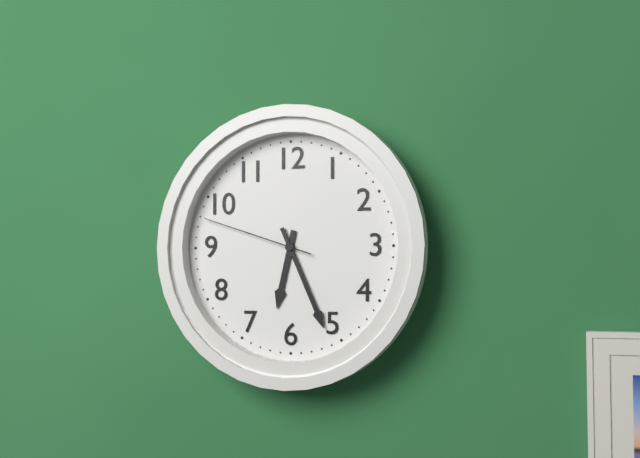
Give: 6h26m48s
